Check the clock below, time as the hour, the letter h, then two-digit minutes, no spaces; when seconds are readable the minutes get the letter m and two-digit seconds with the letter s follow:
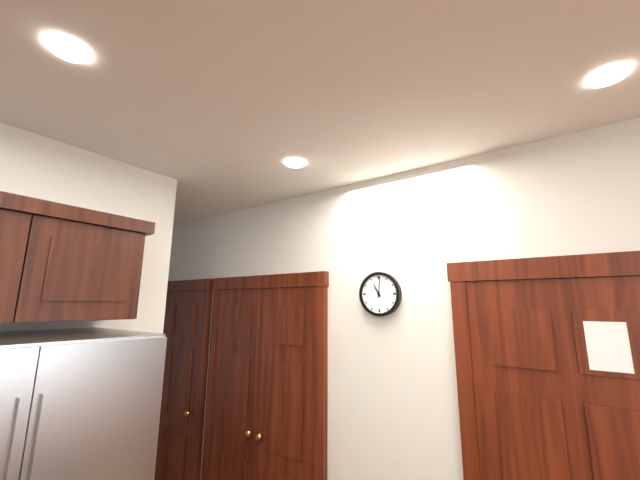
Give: 11h01
